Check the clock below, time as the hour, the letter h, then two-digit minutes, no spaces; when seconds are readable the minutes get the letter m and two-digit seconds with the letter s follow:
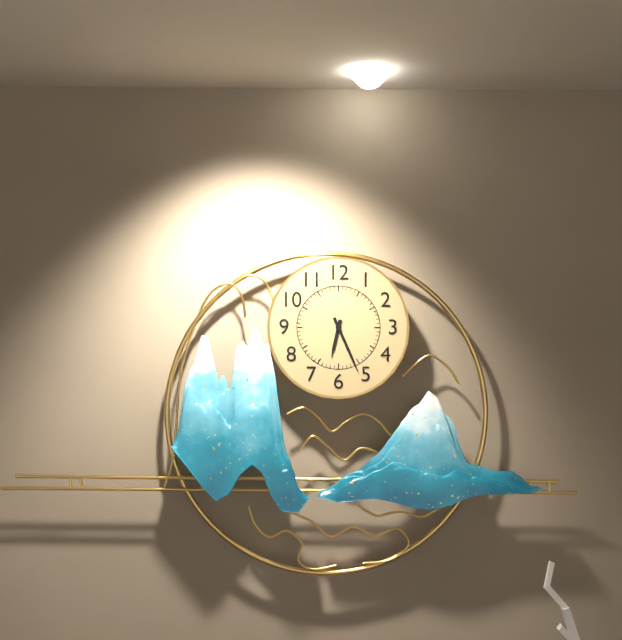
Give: 6h26
